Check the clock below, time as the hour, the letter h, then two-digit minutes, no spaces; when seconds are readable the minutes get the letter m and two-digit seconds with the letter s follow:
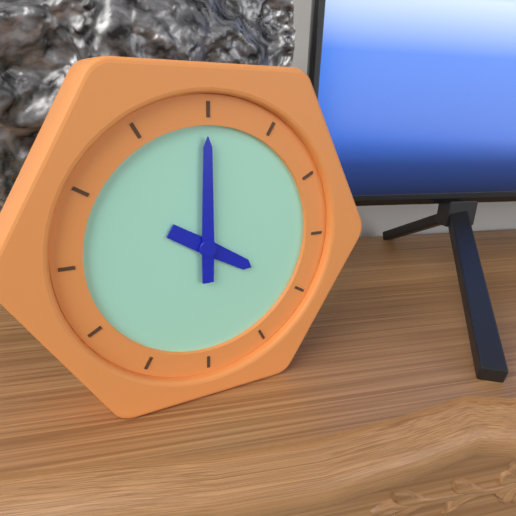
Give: 4h00
